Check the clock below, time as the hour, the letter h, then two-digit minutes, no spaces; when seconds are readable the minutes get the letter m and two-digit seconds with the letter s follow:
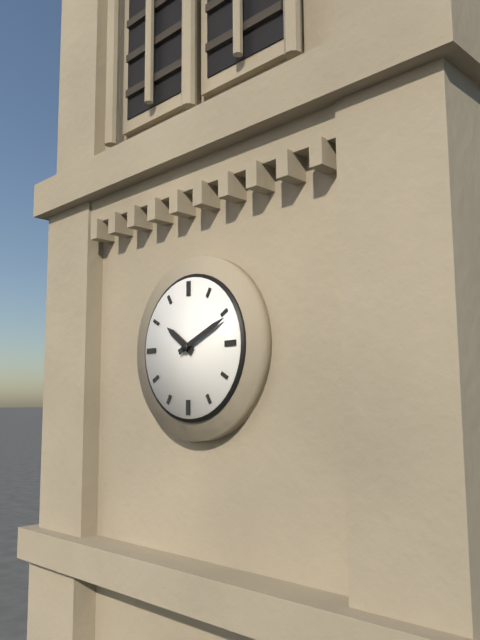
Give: 10h11
